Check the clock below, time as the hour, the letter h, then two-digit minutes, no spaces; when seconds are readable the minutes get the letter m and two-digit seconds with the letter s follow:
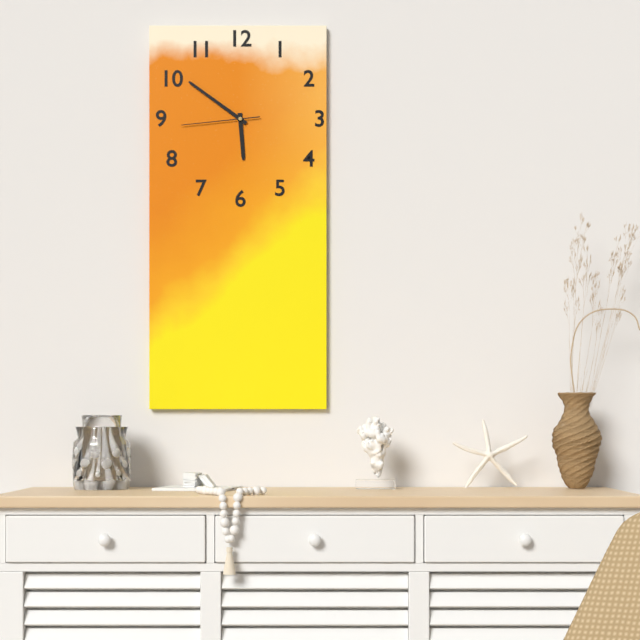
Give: 5h51m44s
